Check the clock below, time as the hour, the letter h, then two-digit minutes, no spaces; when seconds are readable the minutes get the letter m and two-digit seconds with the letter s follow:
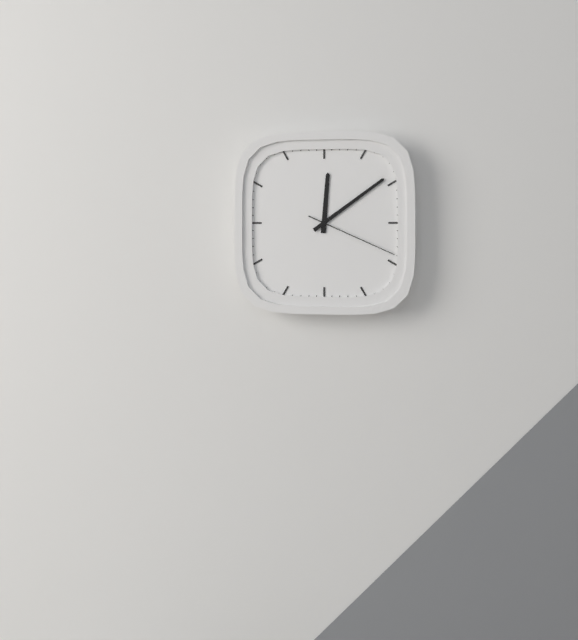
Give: 12h09m19s
